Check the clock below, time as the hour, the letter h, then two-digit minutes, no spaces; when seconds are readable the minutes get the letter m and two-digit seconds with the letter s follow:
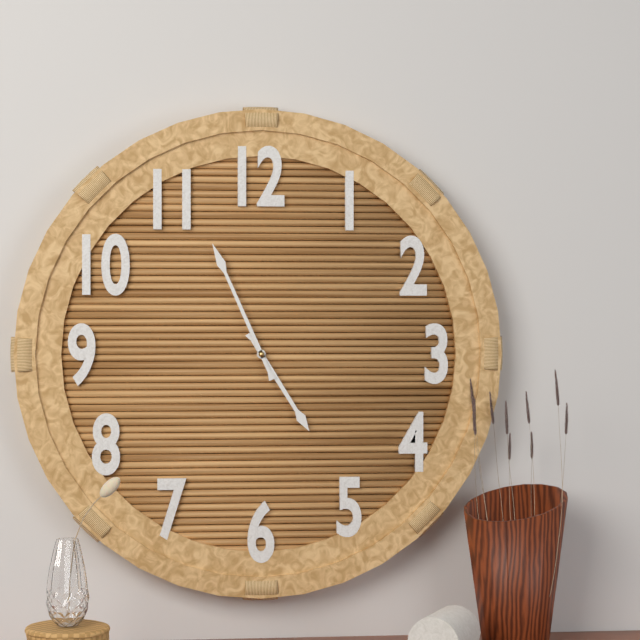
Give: 4h56
